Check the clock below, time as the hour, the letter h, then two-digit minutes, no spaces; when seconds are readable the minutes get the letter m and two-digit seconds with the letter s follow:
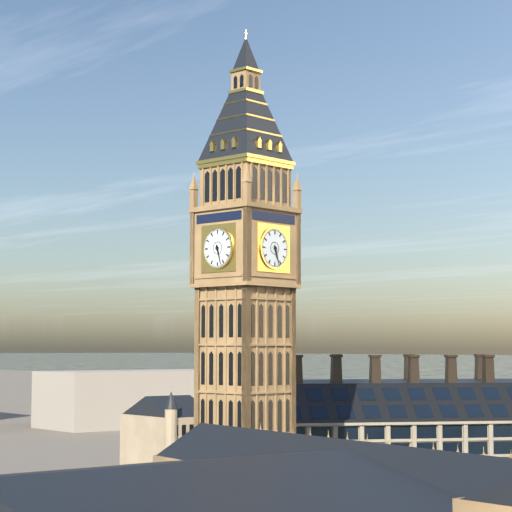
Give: 5h27
